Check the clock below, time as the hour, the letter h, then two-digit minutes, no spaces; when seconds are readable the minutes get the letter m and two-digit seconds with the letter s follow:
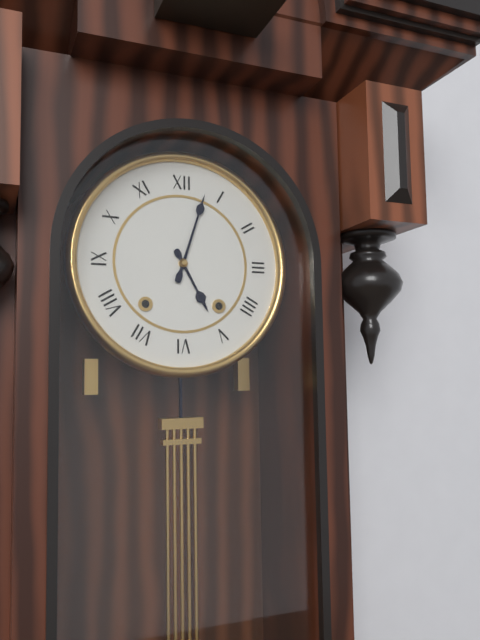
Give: 5h03
